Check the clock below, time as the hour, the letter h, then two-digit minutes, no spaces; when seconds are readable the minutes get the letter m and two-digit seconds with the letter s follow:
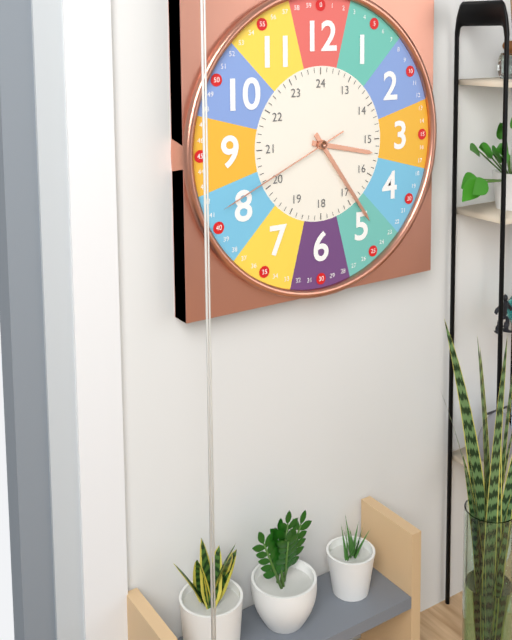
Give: 3h24m41s
